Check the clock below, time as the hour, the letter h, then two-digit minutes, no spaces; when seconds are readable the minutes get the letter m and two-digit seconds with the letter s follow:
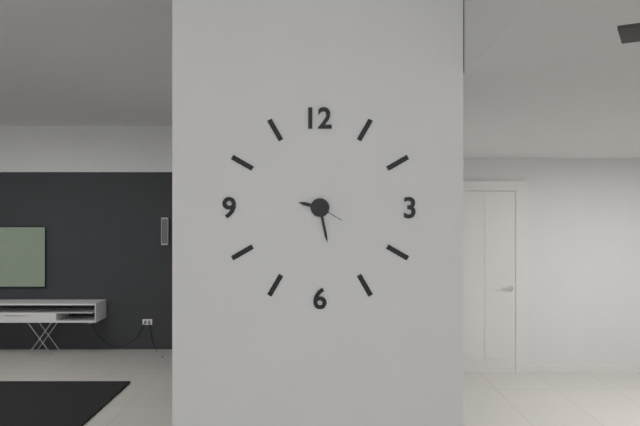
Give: 9h28
